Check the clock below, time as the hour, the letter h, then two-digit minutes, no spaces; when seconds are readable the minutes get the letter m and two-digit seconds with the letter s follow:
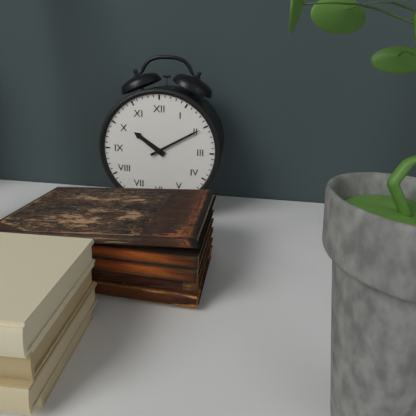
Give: 10h10
